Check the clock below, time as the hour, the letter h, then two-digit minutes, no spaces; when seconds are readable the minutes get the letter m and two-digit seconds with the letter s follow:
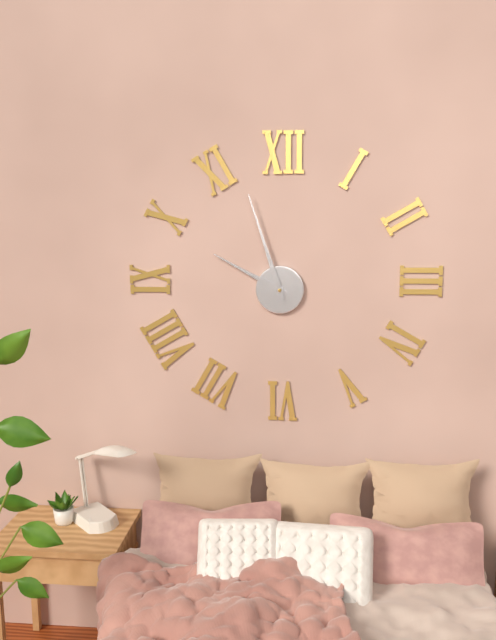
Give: 9h57
